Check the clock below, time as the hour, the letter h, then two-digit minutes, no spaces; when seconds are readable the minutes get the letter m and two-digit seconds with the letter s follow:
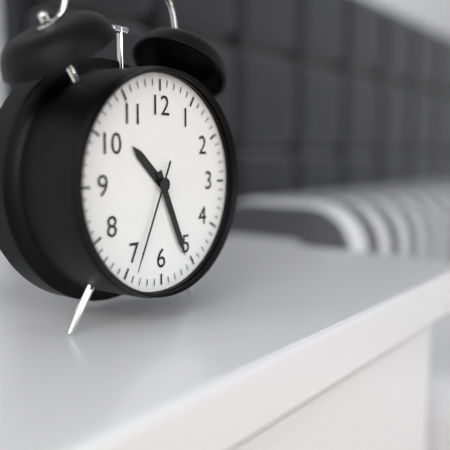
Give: 10h26m34s
